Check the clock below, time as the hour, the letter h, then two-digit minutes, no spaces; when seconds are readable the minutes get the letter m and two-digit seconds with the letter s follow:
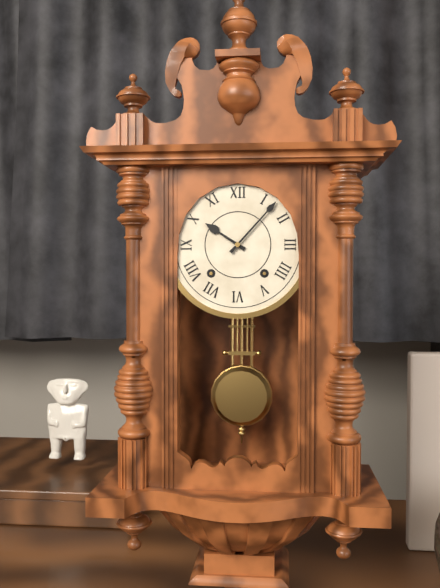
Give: 10h07
